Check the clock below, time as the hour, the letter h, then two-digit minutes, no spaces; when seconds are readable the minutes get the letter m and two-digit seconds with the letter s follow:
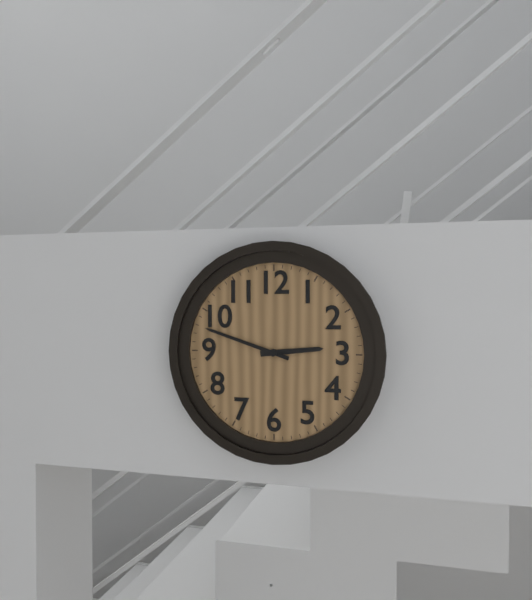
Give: 2h48
